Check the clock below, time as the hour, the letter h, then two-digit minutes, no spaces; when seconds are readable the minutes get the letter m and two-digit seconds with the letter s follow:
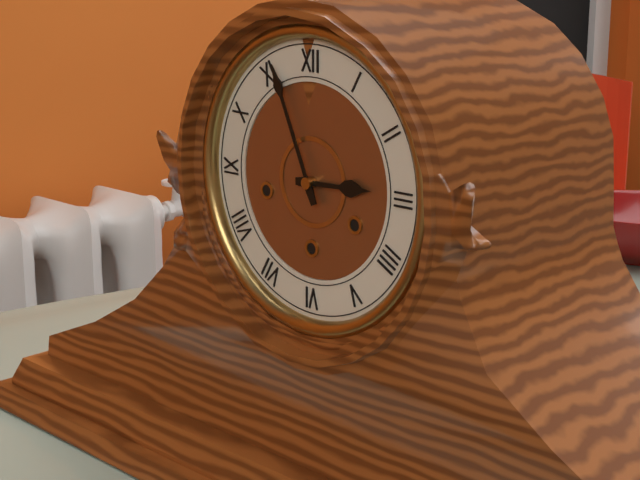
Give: 2h56
